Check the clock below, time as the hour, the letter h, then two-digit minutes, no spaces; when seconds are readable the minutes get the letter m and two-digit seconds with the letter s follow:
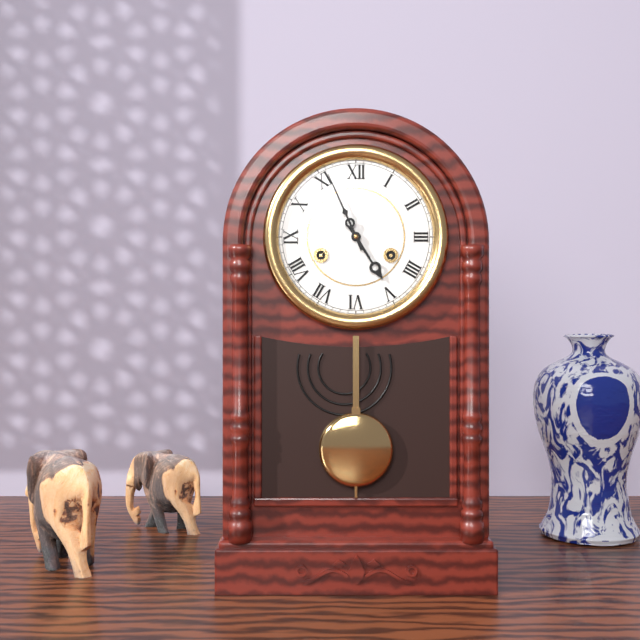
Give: 4h56
